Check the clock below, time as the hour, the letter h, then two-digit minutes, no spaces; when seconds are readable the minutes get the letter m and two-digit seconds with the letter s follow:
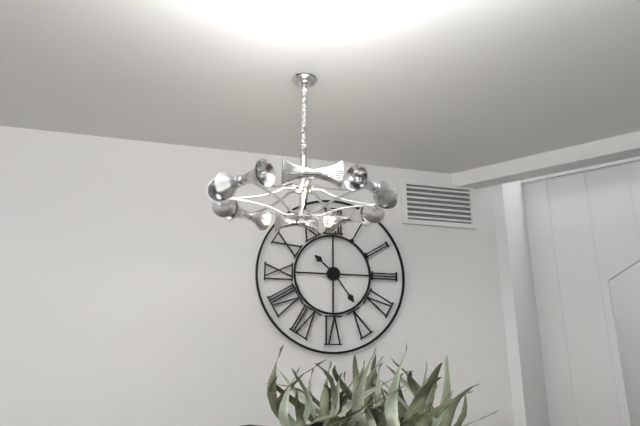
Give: 10h24
